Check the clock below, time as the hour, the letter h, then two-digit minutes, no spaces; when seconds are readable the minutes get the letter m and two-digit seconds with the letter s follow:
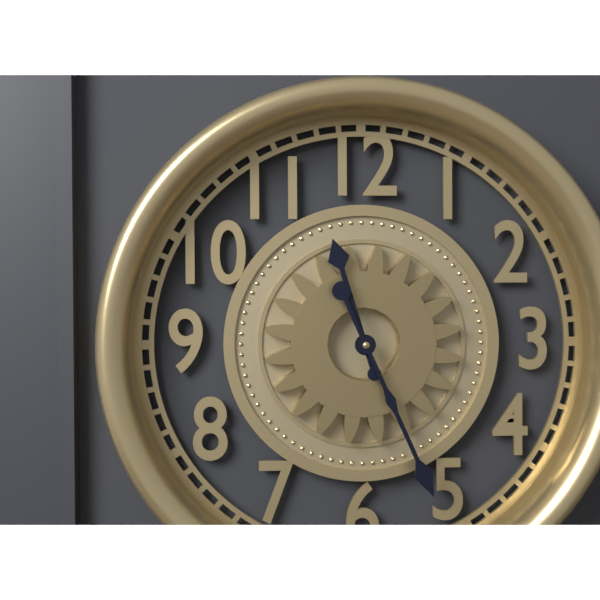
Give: 11h26
